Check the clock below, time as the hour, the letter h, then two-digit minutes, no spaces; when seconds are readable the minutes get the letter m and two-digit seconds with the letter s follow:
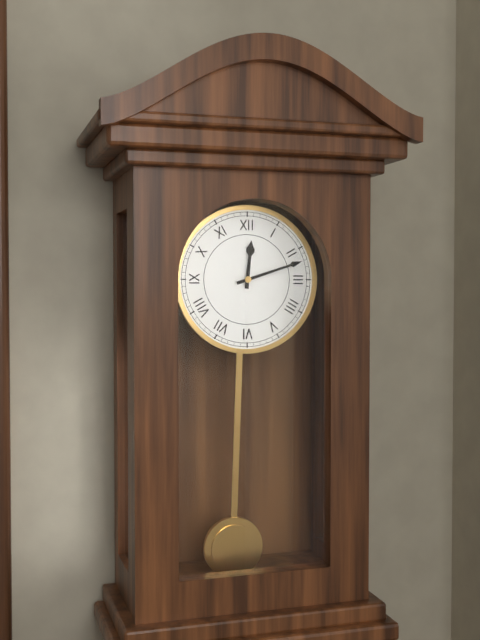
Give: 12h12
